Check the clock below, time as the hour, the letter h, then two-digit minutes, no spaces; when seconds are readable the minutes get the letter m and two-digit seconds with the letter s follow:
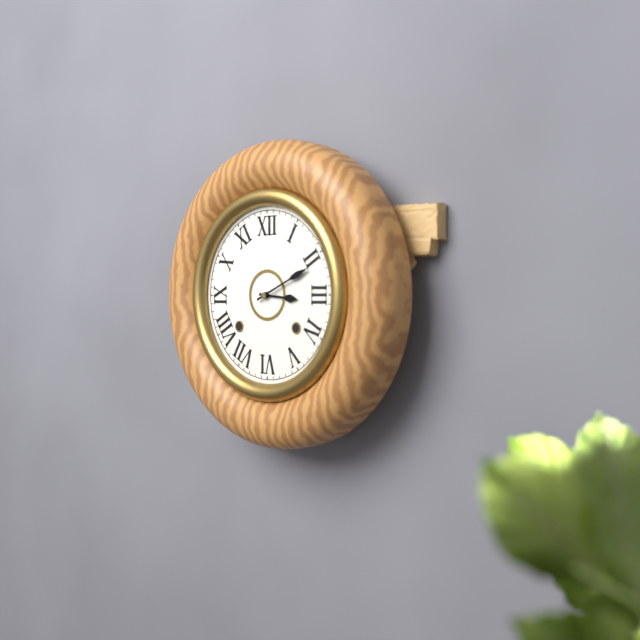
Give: 3h11
